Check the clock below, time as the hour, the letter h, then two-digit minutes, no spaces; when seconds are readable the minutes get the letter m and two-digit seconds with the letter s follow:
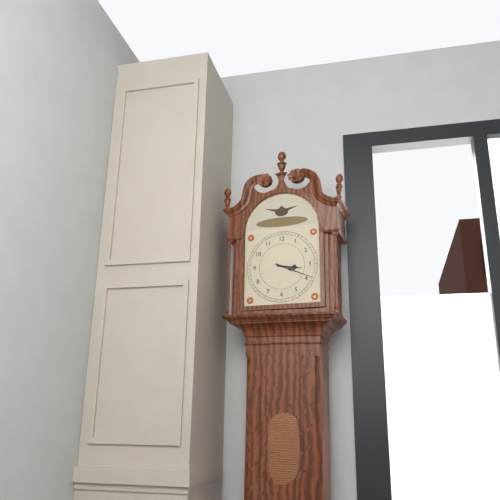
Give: 3h19
